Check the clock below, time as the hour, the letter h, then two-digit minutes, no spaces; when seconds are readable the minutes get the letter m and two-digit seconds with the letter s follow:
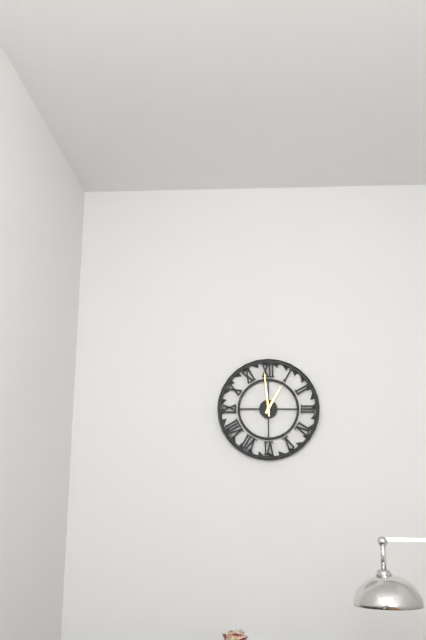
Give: 12h59
